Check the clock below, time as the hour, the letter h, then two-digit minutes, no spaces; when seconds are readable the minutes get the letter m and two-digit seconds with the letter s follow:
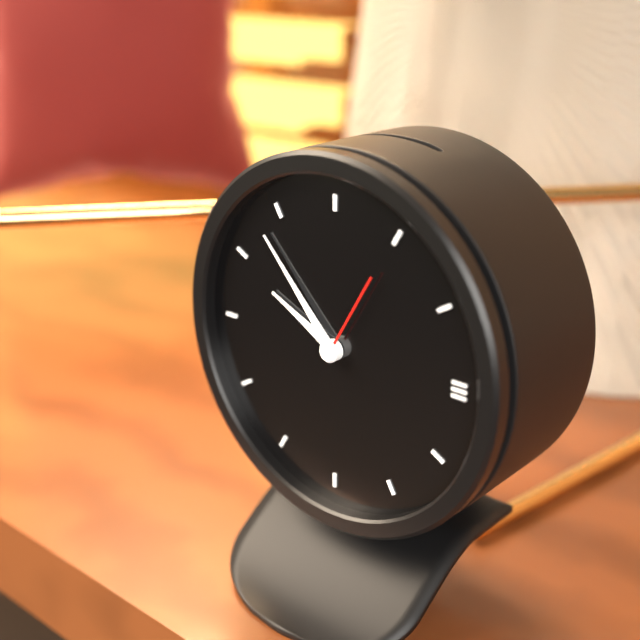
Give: 9h53m05s
